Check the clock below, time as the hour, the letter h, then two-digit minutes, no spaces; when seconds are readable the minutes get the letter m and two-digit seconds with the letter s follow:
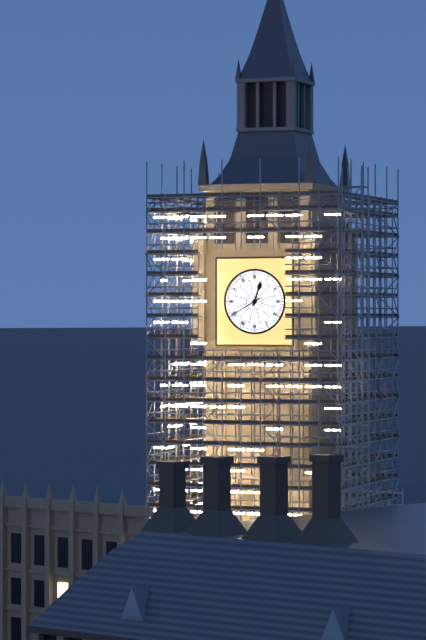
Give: 12h40
